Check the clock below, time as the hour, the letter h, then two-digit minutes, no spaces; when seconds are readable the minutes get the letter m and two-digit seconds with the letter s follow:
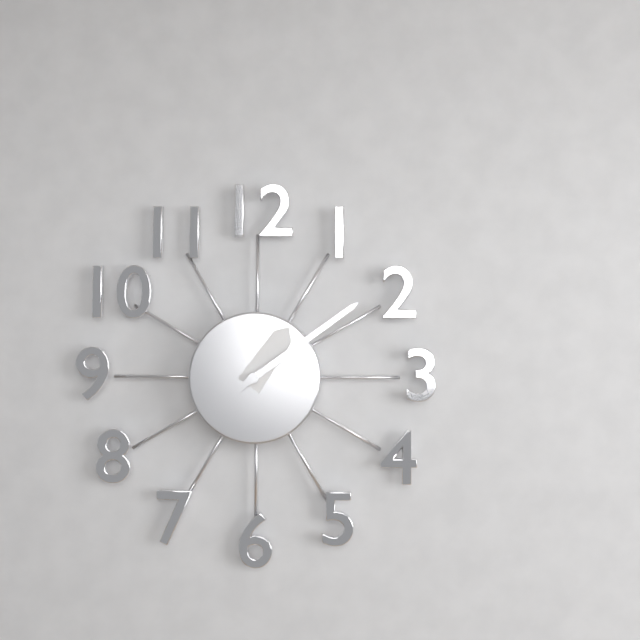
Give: 1h09
